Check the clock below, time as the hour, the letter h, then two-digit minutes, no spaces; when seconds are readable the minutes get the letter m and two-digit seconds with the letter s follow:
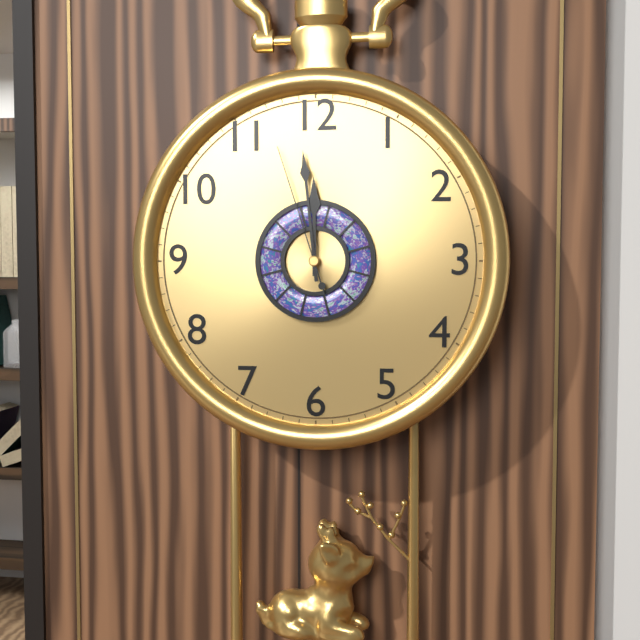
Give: 11h59m57s
